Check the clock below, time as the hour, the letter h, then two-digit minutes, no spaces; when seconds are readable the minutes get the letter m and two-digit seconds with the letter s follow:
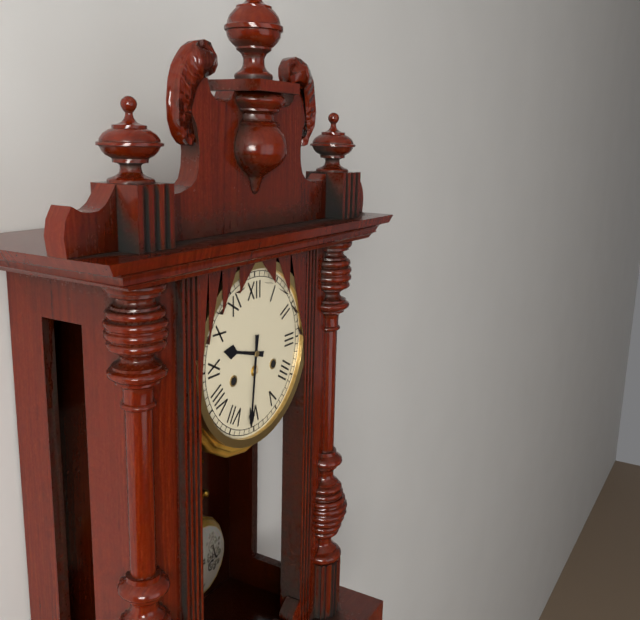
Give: 9h31
